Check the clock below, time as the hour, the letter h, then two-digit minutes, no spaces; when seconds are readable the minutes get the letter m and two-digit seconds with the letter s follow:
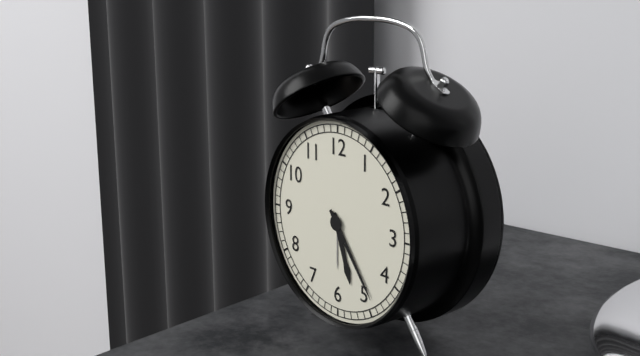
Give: 5h24
